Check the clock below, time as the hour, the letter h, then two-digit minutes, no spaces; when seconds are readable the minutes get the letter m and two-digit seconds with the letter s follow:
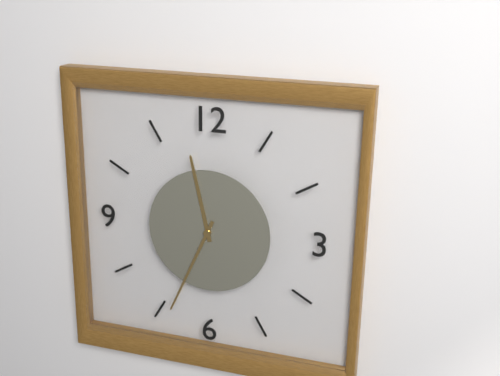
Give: 11h34
